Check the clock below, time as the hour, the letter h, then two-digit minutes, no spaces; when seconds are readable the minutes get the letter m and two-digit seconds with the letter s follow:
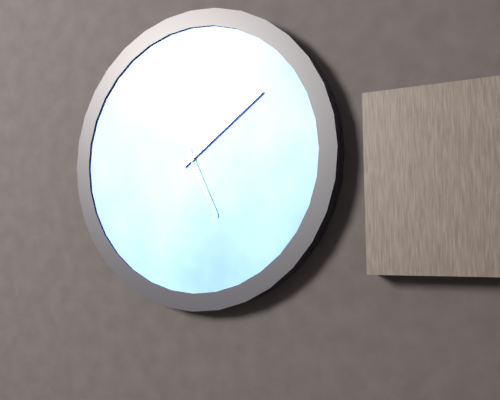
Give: 5h09
